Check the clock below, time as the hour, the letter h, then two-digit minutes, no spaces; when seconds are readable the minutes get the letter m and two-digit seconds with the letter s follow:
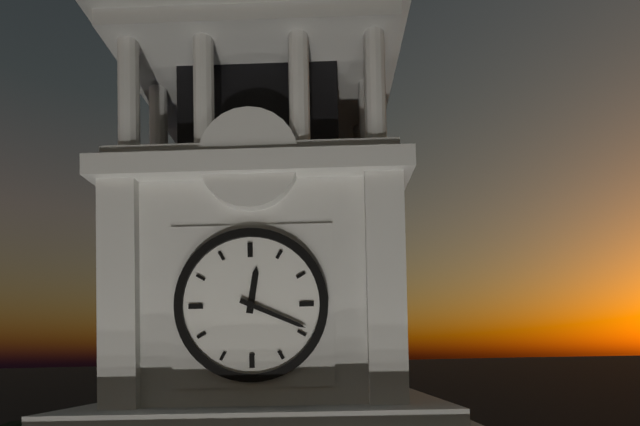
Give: 12h19
